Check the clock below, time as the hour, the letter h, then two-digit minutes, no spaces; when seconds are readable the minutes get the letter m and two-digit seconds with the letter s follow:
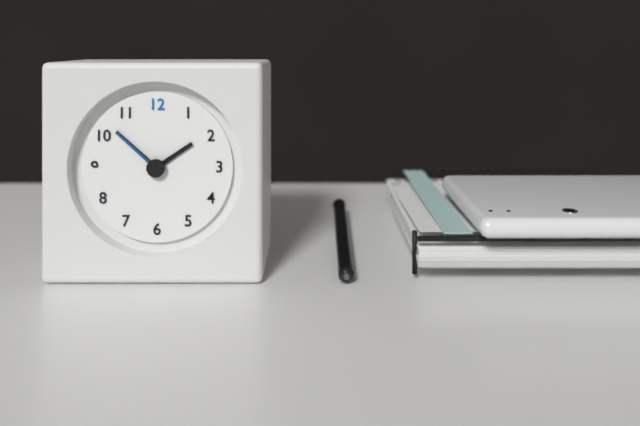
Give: 1h52m52s
